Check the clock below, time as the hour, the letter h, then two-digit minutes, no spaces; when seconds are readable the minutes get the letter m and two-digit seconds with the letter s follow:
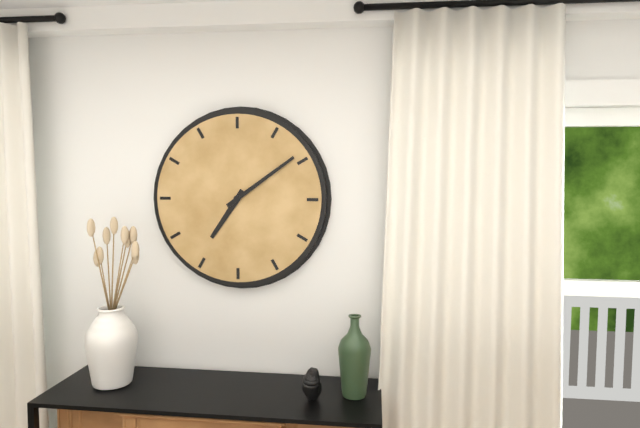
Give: 7h09
